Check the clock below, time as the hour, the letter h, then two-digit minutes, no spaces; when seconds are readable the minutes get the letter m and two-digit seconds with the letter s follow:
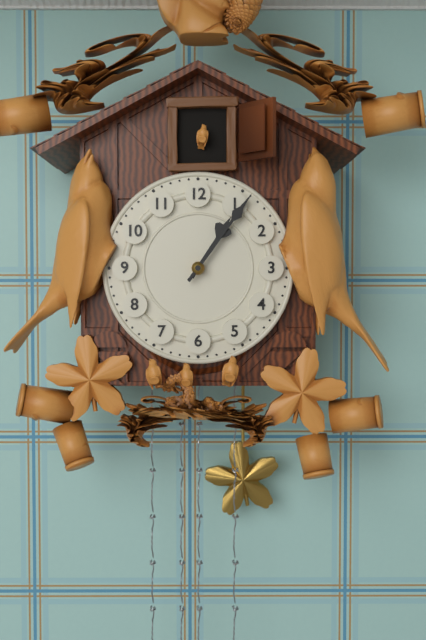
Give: 1h06
